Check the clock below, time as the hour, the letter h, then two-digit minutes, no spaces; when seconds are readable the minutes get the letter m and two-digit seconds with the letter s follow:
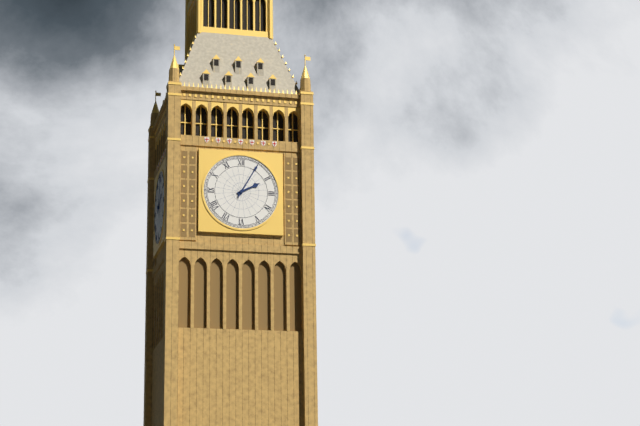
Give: 2h05
